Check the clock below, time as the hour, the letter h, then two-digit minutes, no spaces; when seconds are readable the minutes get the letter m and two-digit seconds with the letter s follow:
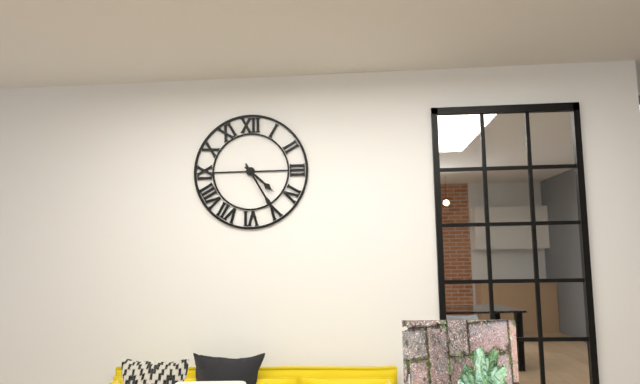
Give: 4h25
